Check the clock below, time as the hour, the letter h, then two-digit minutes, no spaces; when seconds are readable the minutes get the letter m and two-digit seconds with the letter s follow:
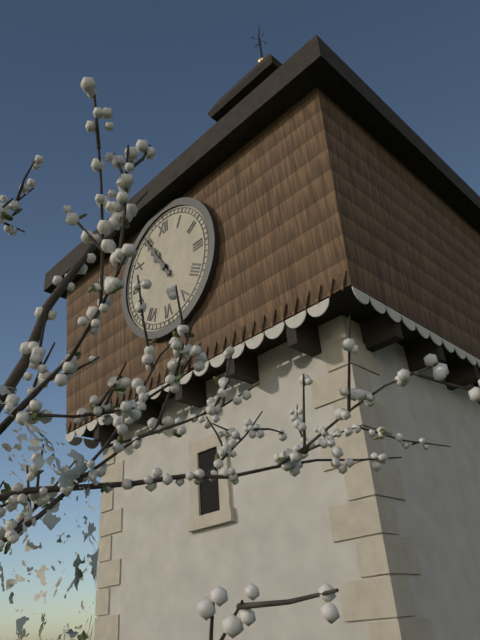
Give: 10h55
